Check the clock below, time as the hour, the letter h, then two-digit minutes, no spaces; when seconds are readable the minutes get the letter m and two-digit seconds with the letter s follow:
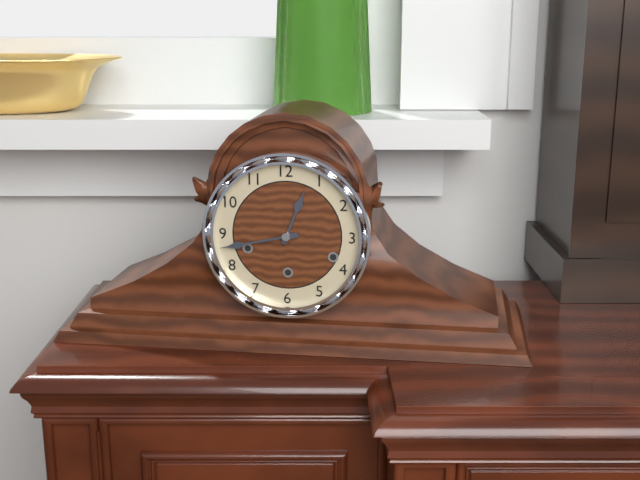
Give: 12h43
